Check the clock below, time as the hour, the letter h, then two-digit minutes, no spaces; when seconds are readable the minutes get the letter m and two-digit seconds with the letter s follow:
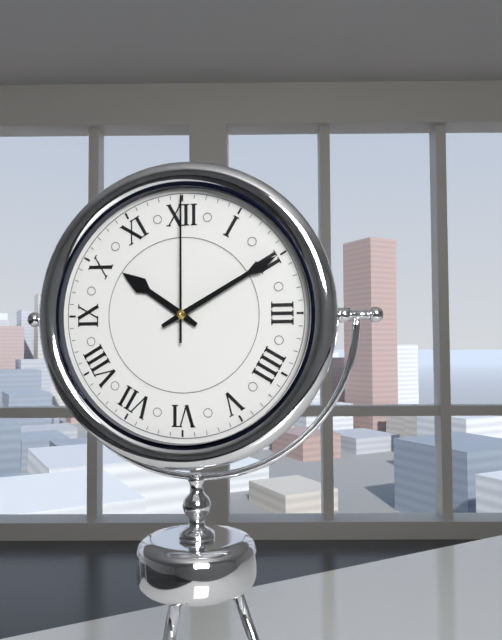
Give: 10h10m00s
